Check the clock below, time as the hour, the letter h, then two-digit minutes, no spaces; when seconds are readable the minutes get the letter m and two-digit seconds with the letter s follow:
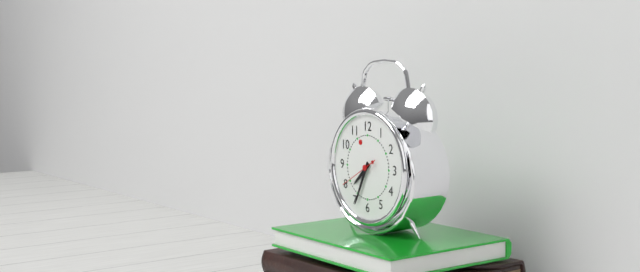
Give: 7h34
